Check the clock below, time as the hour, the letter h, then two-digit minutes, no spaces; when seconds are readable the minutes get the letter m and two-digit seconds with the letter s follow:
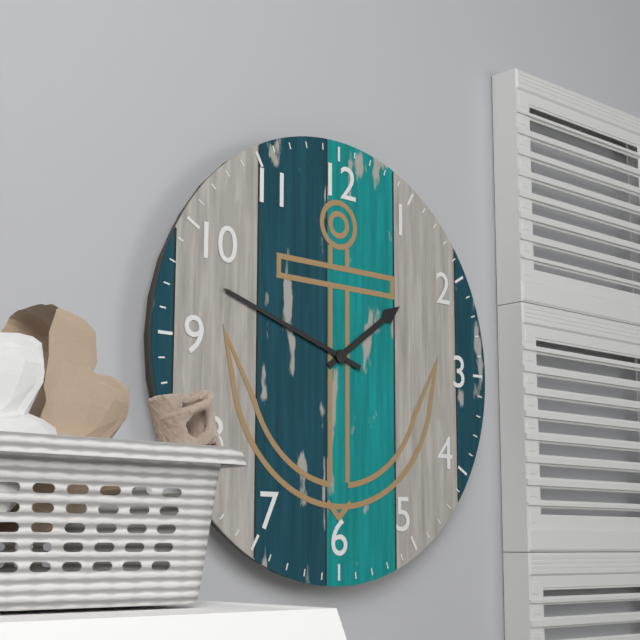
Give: 1h48
